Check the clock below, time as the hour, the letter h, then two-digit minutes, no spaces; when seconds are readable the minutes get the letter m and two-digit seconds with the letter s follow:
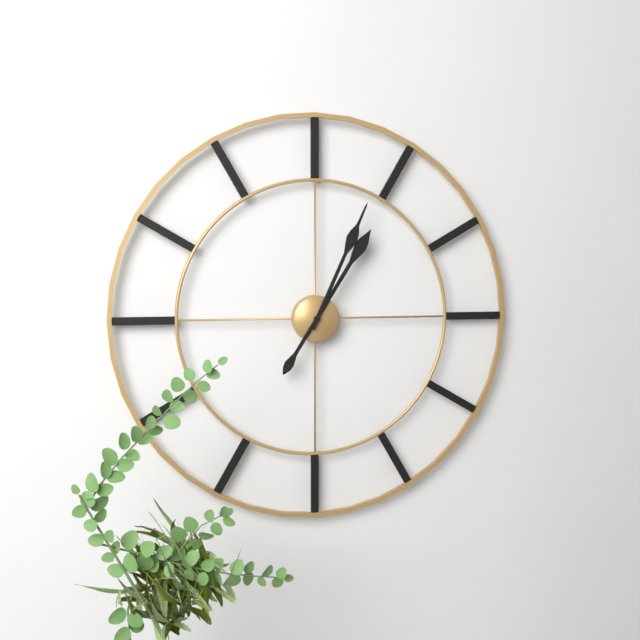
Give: 1h04
